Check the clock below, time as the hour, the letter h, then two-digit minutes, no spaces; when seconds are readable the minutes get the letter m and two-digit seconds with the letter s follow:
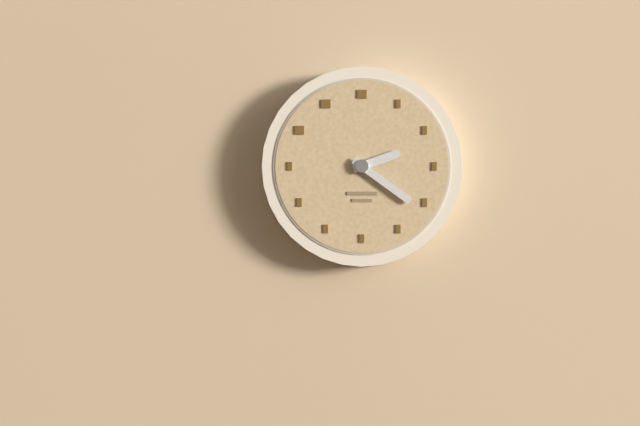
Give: 2h21
